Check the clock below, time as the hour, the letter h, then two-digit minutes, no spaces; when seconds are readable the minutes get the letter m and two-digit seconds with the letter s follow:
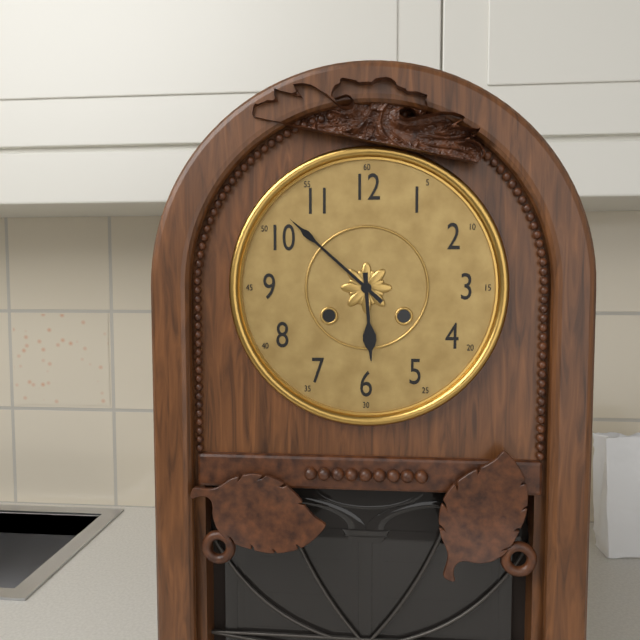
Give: 5h52
